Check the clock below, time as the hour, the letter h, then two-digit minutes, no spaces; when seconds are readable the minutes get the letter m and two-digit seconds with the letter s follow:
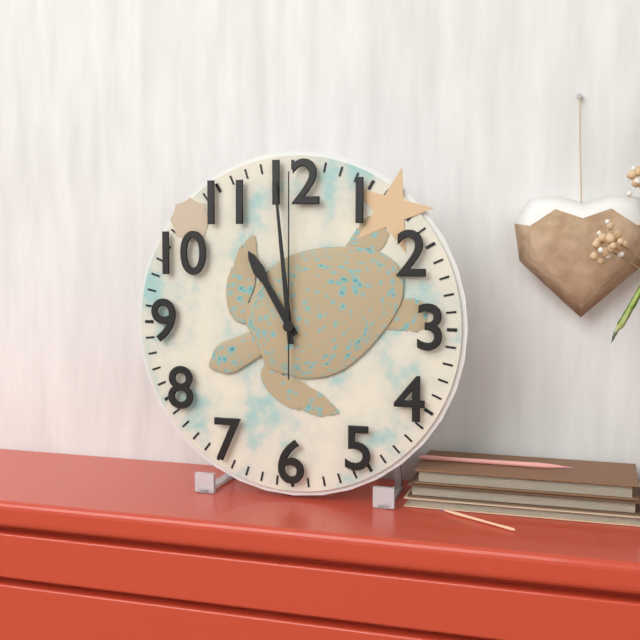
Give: 10h59m00s
